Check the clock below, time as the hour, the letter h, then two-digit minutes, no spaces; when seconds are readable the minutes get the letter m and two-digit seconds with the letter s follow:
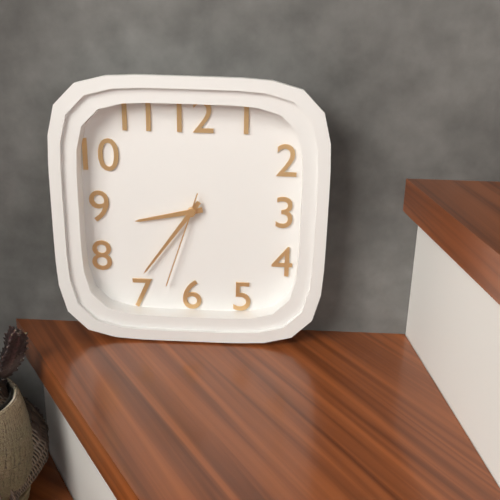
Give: 8h36m33s
